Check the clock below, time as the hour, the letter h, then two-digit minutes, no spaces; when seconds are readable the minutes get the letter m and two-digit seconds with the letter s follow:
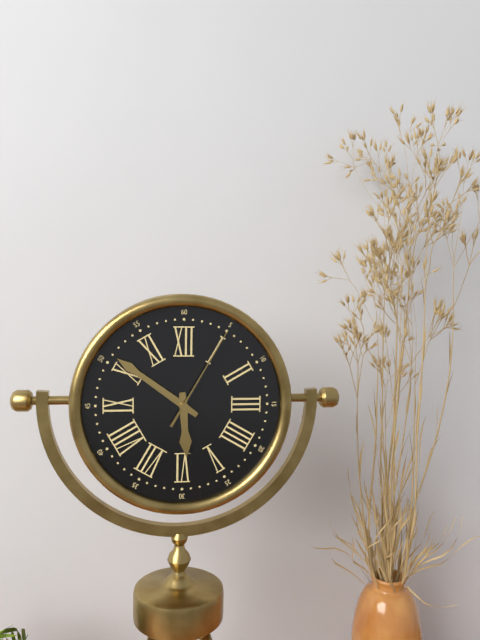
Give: 5h51m05s
